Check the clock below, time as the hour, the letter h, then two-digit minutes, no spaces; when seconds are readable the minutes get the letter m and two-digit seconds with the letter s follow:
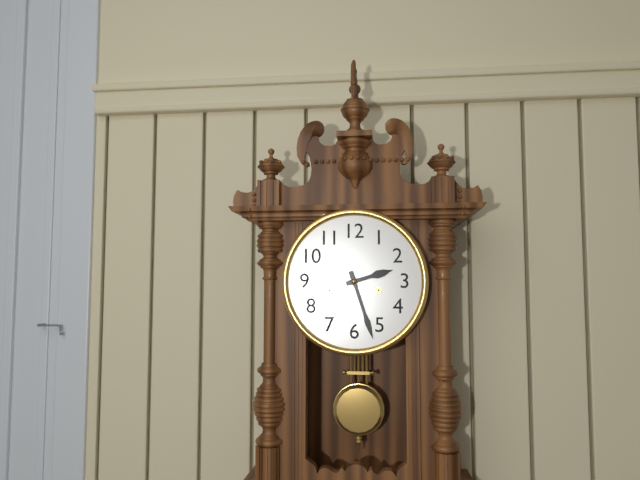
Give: 2h27
